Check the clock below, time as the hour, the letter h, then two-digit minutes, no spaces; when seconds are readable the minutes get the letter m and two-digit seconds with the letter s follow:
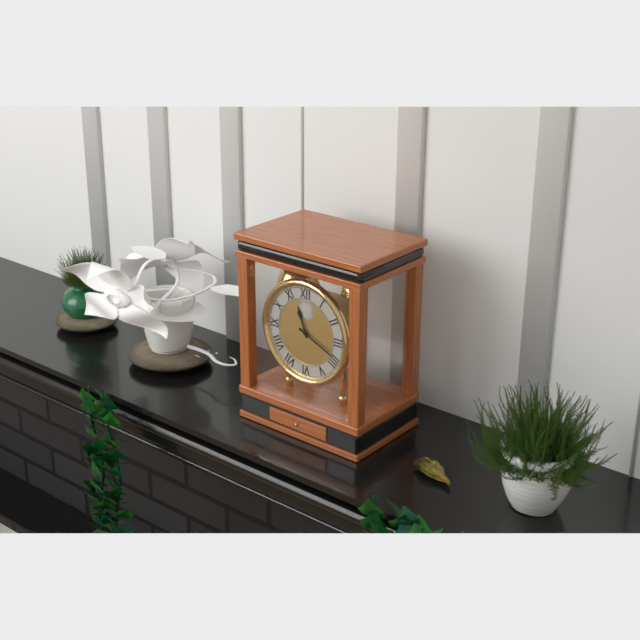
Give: 11h19
